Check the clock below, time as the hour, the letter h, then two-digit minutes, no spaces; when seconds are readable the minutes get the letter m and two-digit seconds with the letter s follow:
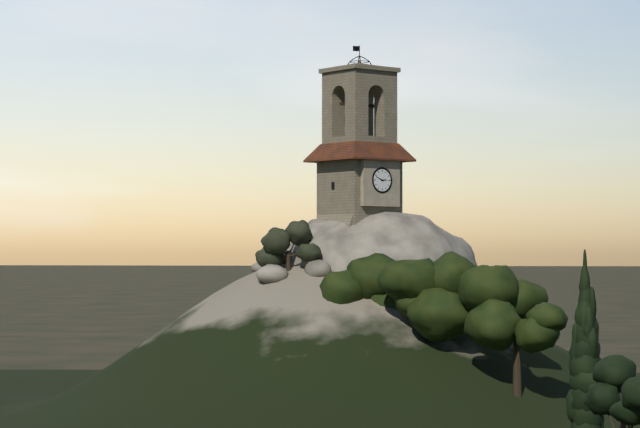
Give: 2h49
